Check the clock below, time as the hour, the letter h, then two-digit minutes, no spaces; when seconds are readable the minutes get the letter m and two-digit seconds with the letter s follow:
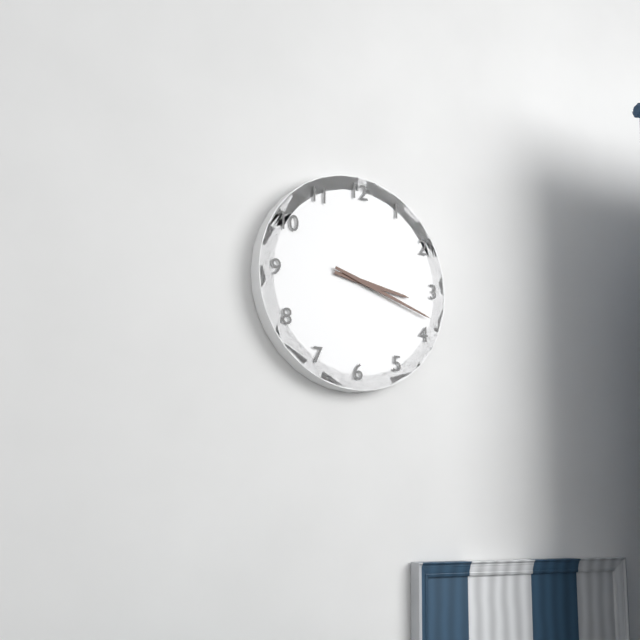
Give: 3h18
